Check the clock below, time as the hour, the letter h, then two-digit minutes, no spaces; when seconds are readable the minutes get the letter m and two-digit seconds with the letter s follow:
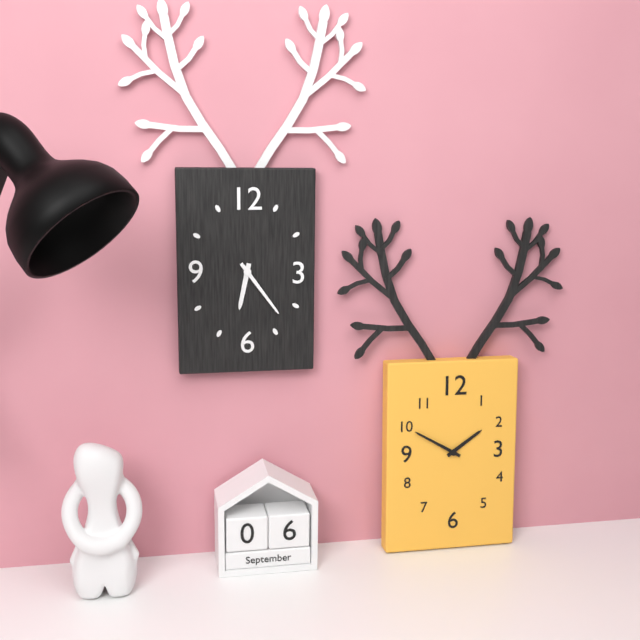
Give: 6h24
